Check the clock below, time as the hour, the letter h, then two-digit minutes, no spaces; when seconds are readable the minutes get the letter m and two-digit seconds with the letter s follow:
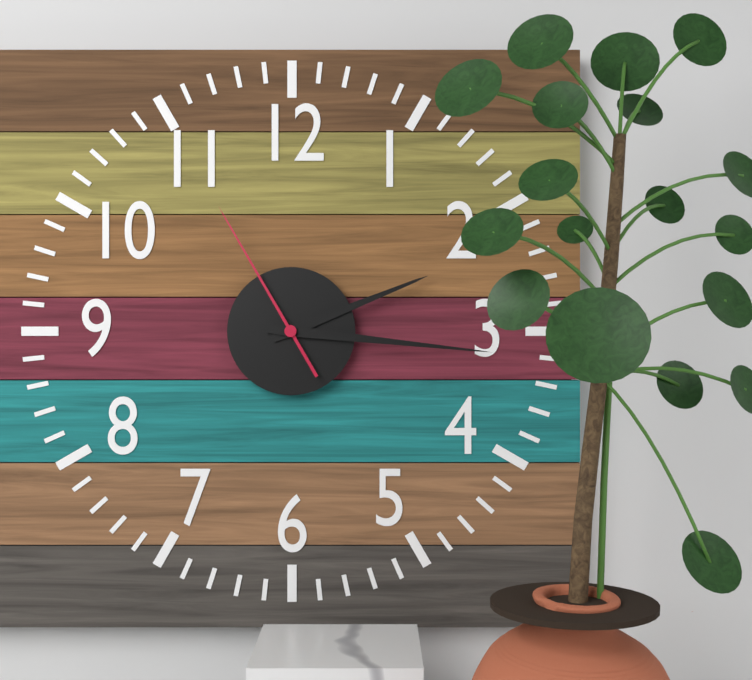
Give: 2h16m55s
